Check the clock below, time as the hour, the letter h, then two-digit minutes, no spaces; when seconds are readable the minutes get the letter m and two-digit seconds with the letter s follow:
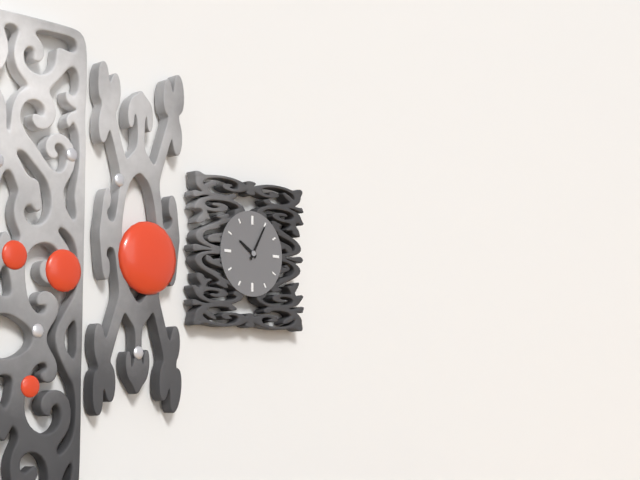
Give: 10h05
